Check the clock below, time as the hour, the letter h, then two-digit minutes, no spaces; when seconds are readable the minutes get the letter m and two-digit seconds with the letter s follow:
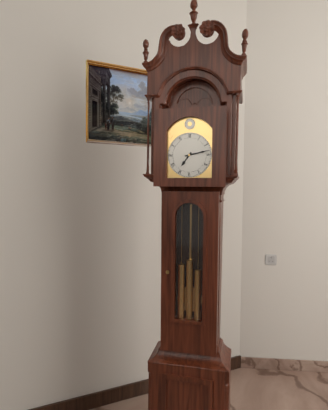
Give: 7h13
